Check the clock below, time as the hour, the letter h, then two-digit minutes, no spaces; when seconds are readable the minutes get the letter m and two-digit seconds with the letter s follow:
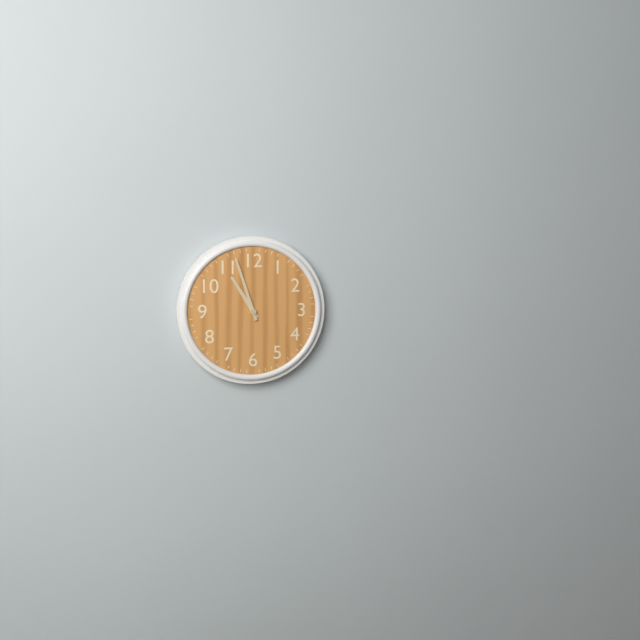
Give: 10h57
